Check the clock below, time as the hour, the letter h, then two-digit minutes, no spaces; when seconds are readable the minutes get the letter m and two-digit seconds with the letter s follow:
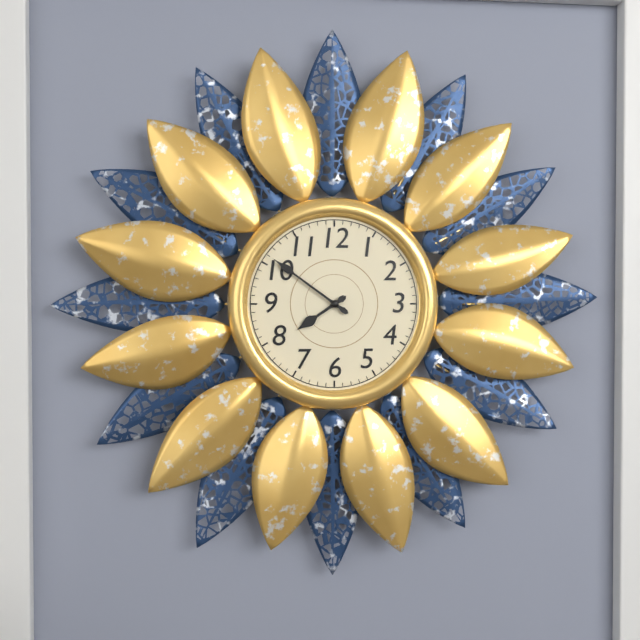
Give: 7h51
